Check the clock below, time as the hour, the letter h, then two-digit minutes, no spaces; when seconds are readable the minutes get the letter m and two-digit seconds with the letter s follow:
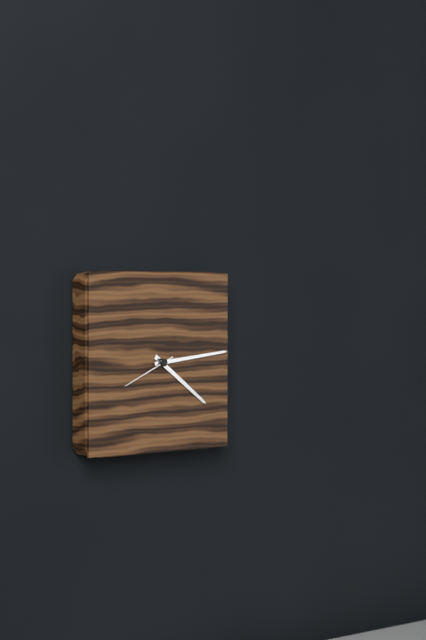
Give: 4h14m41s
